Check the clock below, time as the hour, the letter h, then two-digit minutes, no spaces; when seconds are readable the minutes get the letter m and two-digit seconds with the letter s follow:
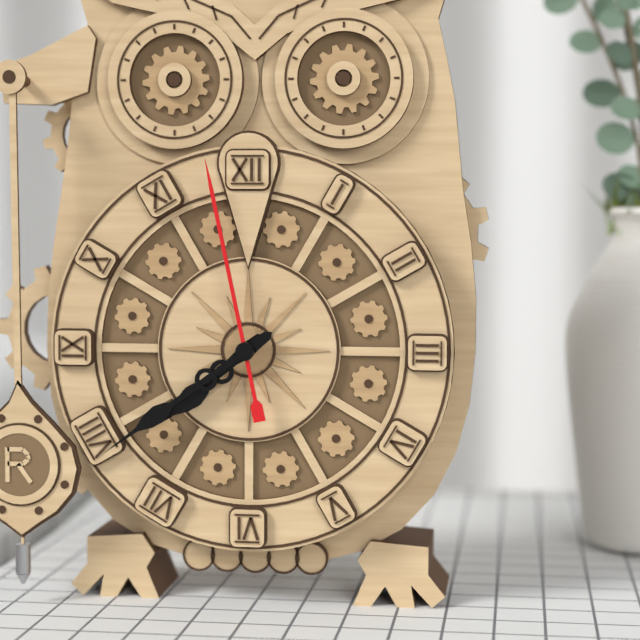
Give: 7h39m58s
